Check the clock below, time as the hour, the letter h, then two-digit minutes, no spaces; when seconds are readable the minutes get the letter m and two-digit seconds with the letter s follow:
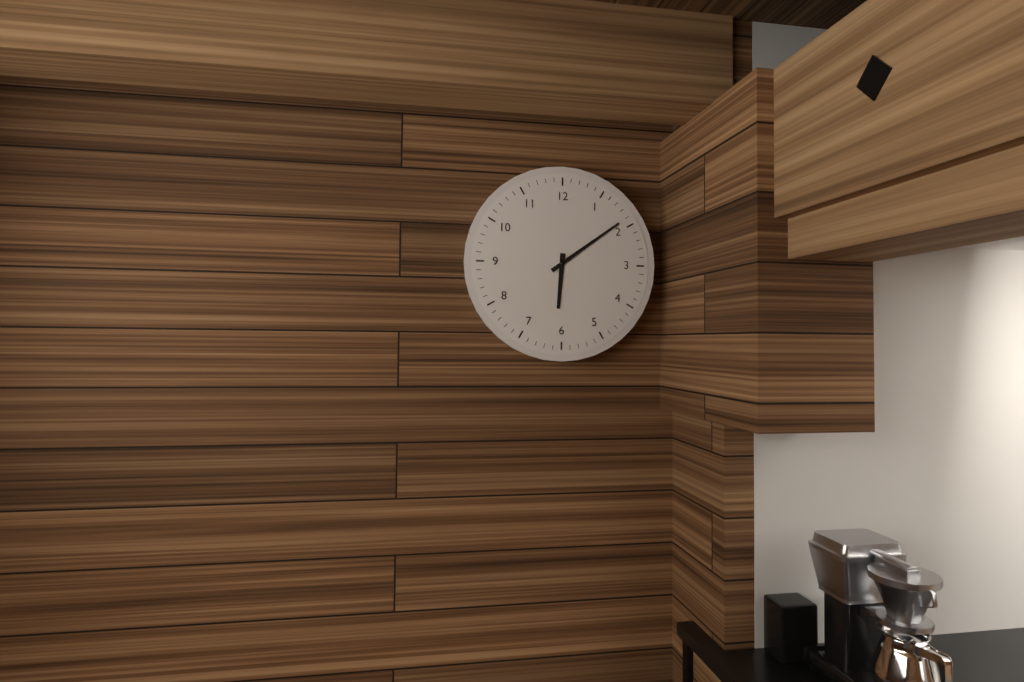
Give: 6h09
